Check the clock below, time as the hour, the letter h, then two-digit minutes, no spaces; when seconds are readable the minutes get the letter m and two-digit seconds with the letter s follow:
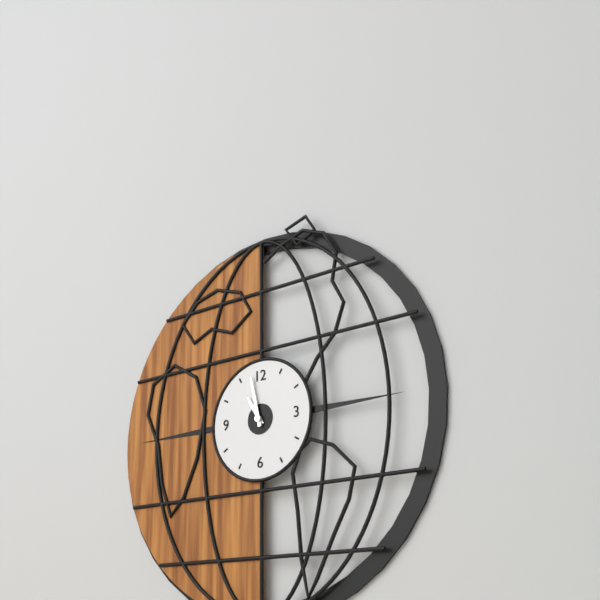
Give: 10h58
